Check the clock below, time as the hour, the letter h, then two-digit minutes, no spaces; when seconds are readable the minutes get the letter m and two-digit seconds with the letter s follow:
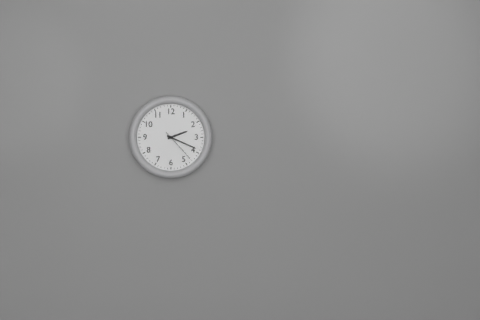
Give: 2h19
